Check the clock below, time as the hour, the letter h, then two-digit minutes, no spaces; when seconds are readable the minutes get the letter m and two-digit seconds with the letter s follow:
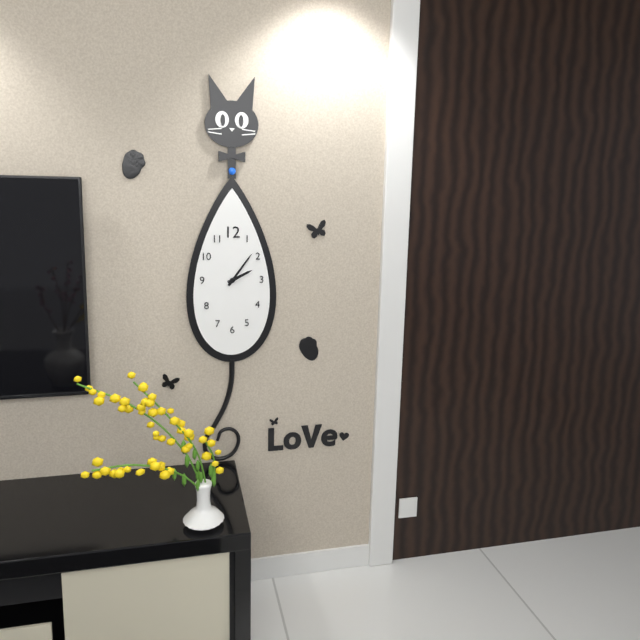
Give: 2h06
